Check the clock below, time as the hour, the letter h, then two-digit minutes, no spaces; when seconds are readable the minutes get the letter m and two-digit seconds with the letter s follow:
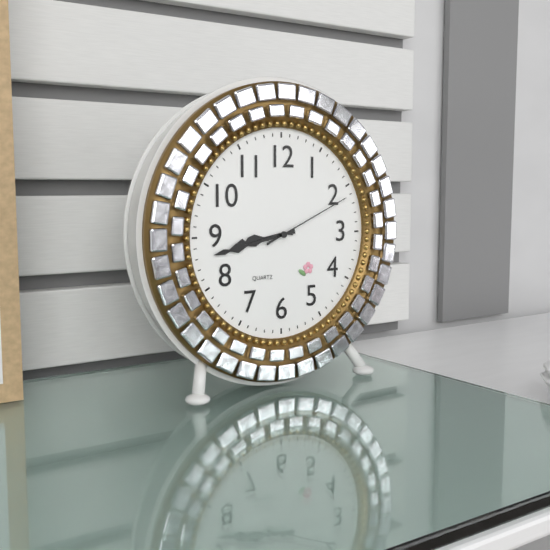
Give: 8h43m11s
